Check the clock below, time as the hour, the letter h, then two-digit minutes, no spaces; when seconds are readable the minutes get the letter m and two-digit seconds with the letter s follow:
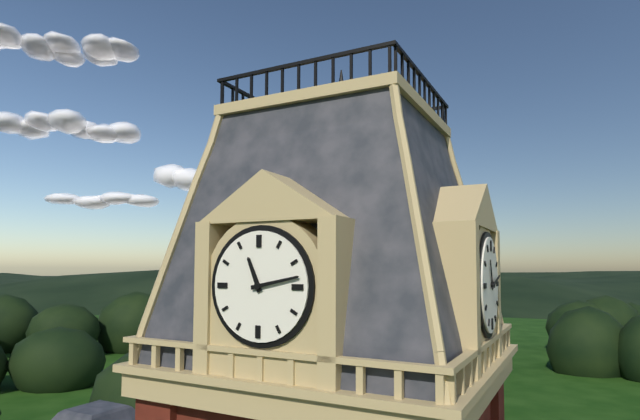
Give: 11h13
